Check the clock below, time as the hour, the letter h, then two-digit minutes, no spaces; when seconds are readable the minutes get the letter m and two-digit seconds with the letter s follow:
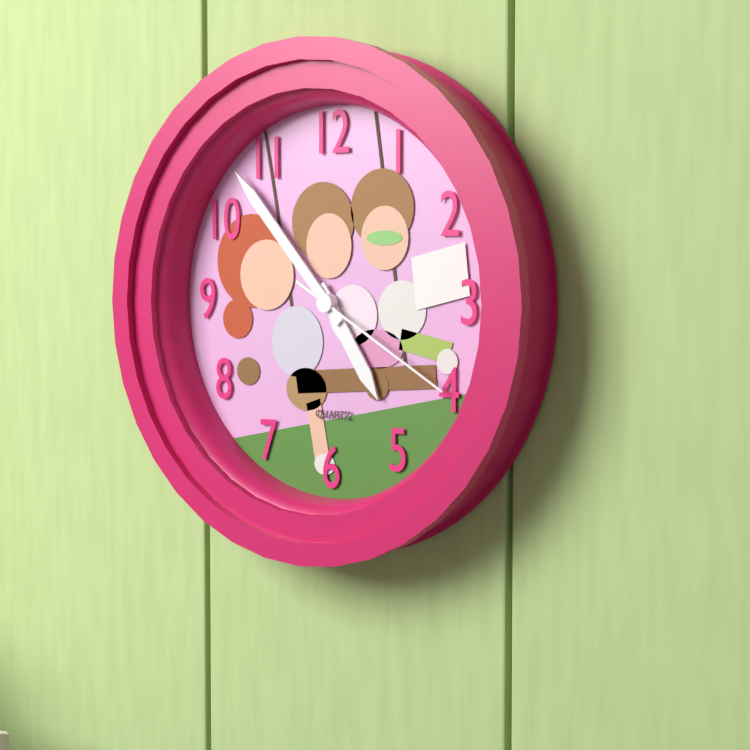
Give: 4h53m20s
